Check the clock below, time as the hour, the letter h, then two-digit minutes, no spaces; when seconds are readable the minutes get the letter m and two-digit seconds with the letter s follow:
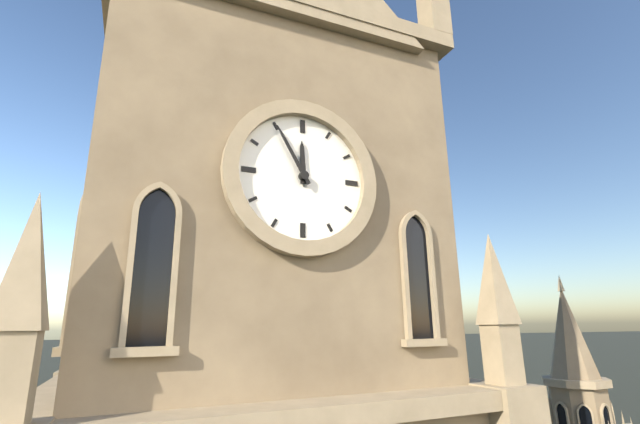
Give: 11h55
